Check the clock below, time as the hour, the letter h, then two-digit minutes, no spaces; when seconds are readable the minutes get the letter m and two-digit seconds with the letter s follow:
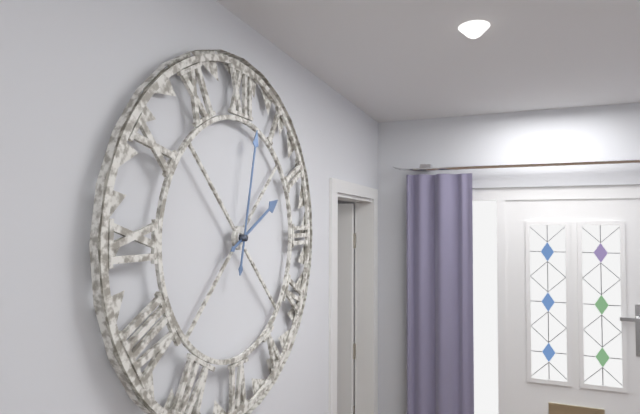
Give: 2h02
